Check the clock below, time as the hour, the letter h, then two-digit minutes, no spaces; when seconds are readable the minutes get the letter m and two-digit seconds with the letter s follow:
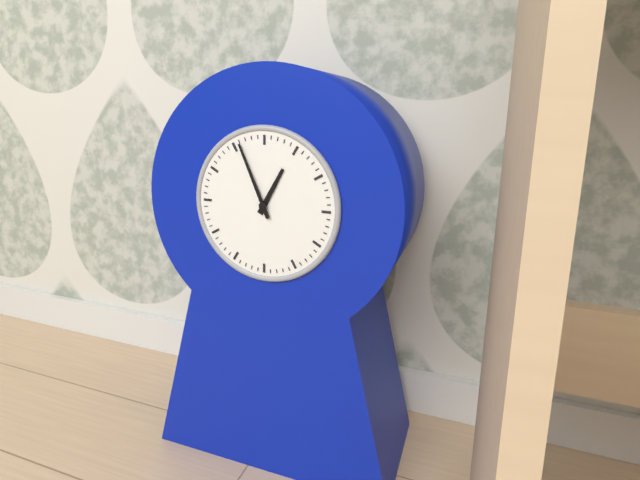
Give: 12h56
